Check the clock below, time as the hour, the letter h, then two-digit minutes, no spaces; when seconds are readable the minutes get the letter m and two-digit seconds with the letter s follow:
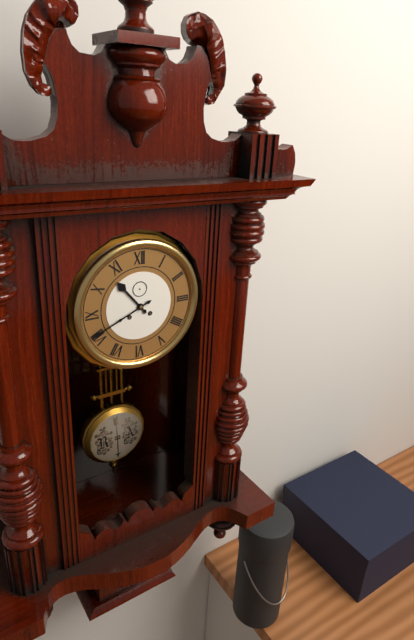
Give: 10h41
